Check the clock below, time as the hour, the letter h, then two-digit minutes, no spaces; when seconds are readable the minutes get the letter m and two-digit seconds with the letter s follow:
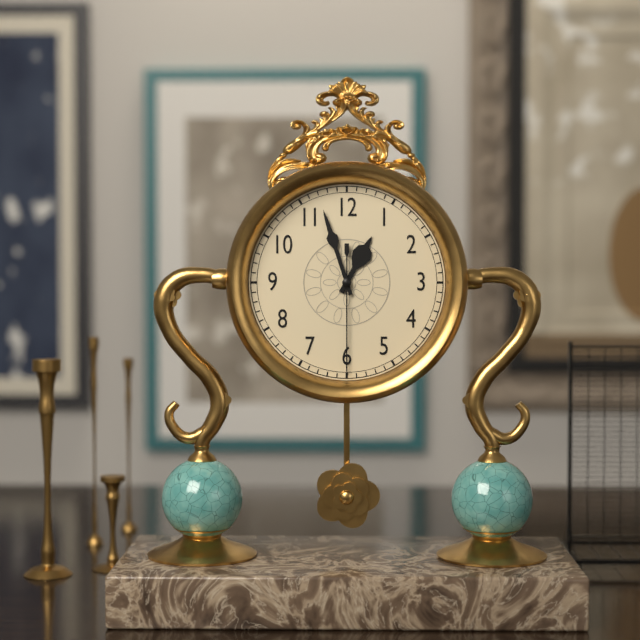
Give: 12h57m30s
